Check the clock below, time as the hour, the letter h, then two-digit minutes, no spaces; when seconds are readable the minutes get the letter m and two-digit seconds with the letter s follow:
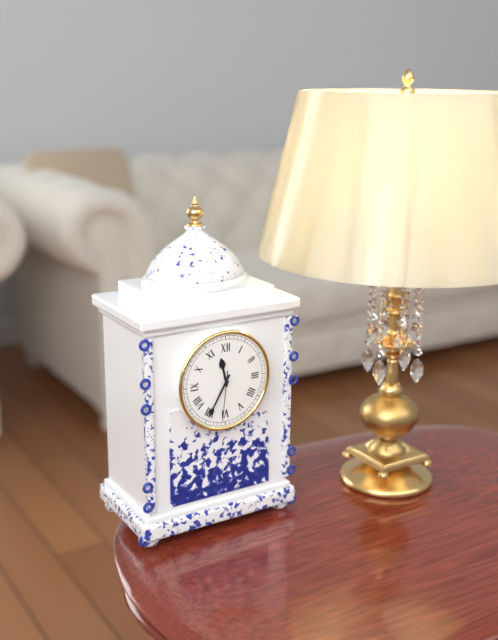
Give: 11h35m31s
